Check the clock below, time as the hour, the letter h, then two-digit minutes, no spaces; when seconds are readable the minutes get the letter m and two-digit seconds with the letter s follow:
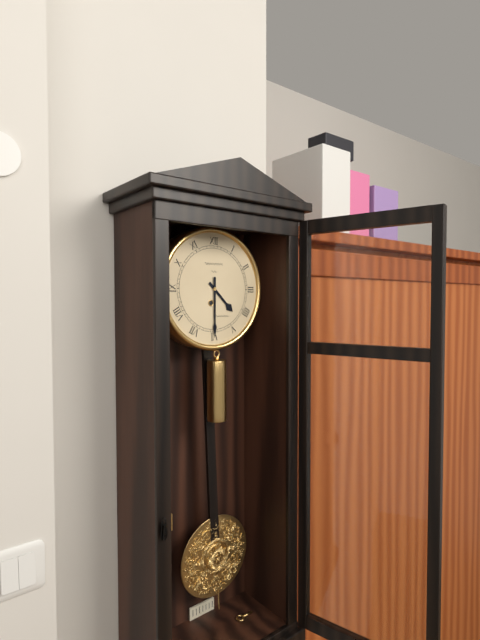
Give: 4h30
